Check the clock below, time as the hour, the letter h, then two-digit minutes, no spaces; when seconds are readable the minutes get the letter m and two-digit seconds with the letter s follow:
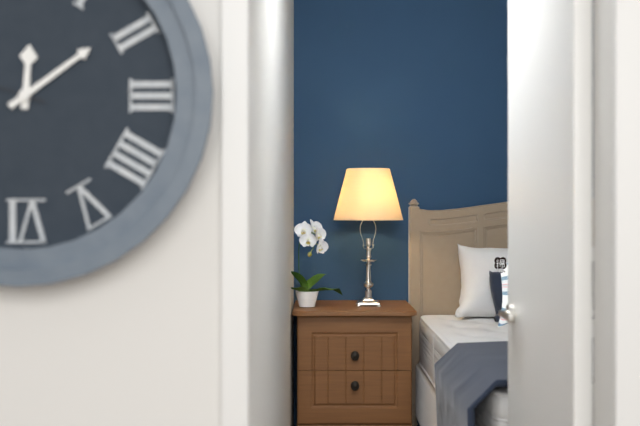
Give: 12h09
